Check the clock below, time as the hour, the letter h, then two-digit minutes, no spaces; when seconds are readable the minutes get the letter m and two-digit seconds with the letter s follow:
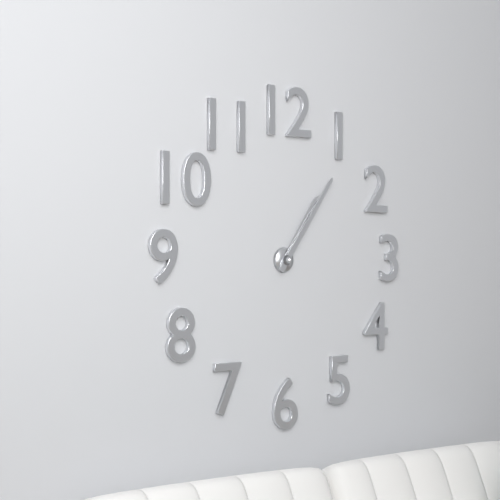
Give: 1h06
